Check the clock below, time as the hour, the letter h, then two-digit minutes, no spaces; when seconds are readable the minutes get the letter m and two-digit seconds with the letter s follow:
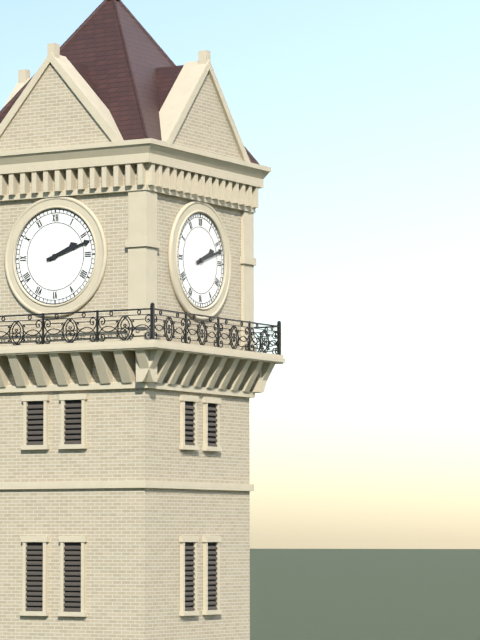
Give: 2h12
